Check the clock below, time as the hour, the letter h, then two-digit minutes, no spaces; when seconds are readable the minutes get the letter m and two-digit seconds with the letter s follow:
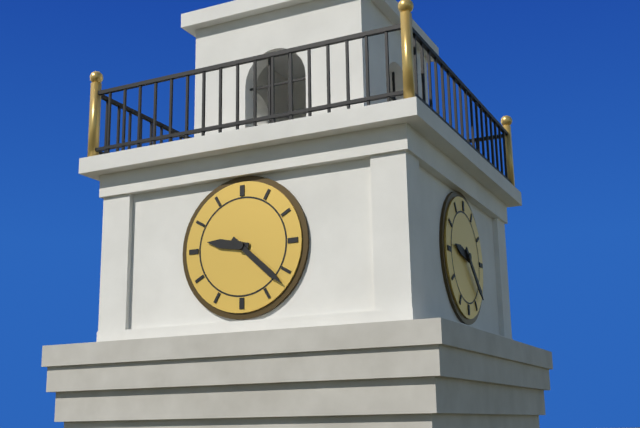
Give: 9h22
